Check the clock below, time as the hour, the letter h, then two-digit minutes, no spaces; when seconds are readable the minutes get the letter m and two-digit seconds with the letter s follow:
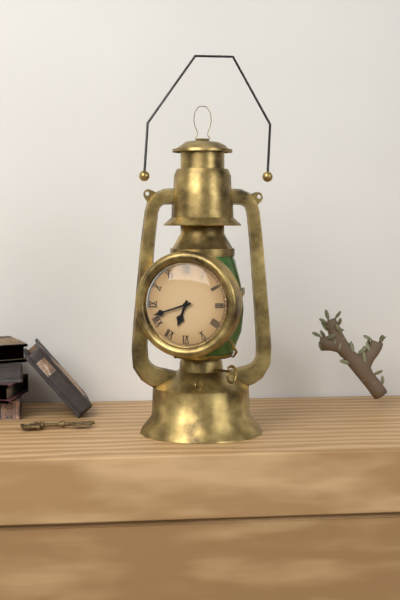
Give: 6h42
